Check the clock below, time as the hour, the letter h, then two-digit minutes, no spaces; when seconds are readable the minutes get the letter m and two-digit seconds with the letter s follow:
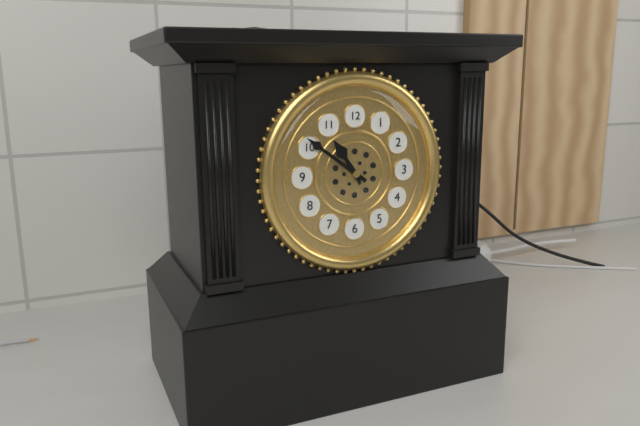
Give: 10h51
